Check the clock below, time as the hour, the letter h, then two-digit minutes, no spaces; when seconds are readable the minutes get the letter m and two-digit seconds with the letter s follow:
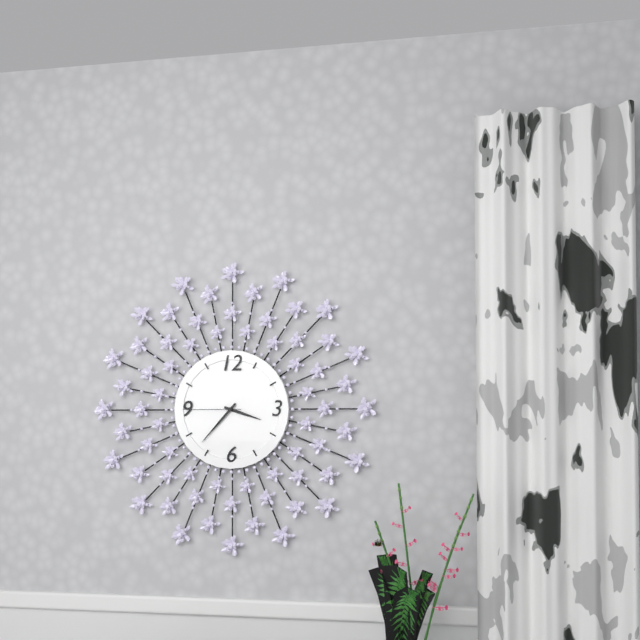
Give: 3h37m45s
